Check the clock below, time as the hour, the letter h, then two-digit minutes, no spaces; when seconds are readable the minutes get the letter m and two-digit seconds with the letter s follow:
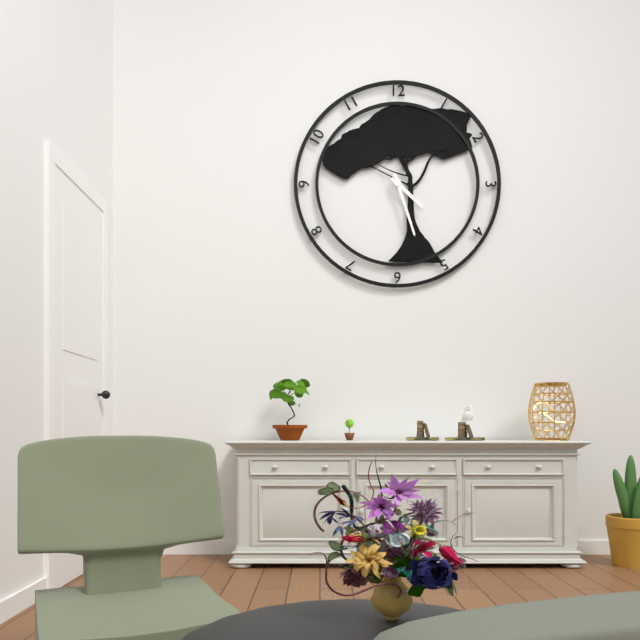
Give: 4h27
